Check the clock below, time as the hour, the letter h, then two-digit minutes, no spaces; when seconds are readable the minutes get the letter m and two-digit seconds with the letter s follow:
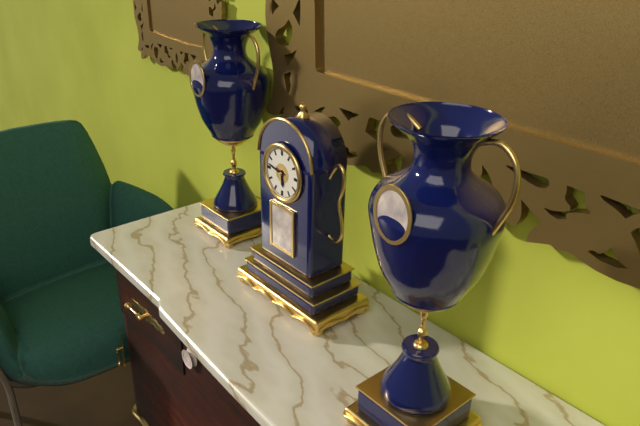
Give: 5h47
